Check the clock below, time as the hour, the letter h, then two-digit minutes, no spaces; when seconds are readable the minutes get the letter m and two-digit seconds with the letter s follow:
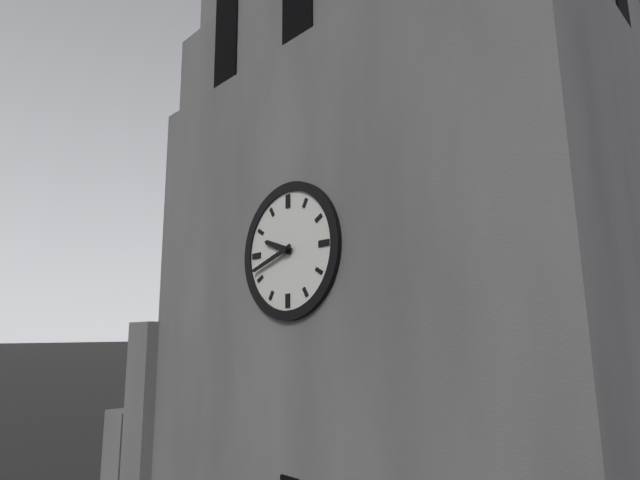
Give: 9h42
